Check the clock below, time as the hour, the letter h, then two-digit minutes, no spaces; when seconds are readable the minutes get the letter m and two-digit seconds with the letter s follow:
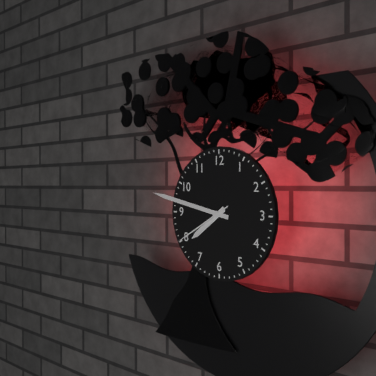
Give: 7h47m40s
